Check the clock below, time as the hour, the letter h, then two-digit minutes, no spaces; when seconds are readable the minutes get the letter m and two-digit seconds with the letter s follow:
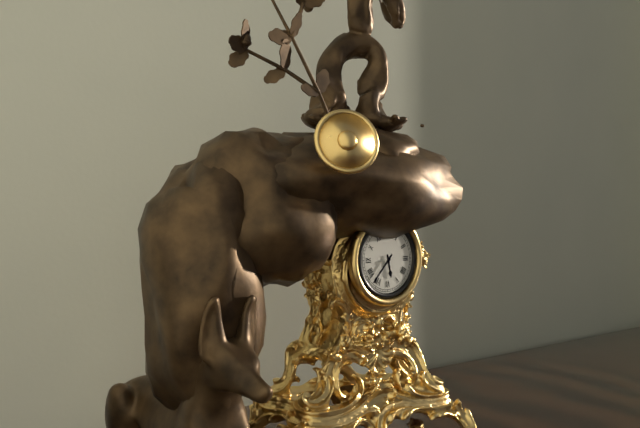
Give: 5h37
